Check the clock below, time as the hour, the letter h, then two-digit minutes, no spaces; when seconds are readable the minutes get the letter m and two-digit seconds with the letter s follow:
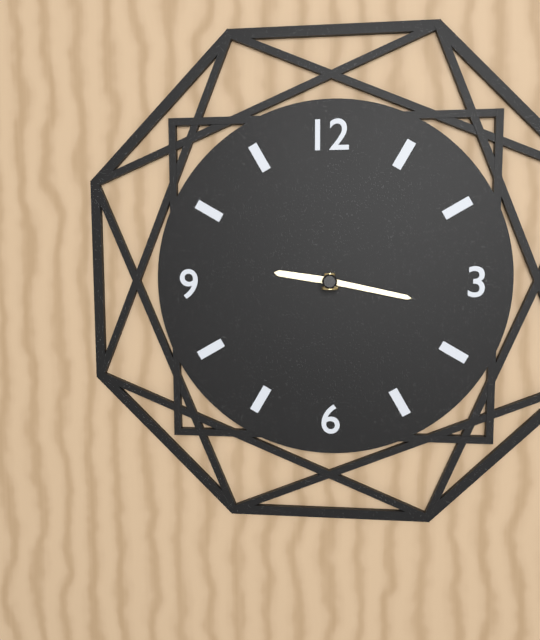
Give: 9h17
